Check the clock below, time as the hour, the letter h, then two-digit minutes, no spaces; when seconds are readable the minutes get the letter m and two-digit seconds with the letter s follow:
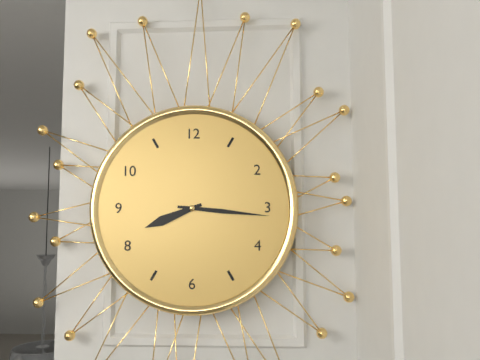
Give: 8h16
